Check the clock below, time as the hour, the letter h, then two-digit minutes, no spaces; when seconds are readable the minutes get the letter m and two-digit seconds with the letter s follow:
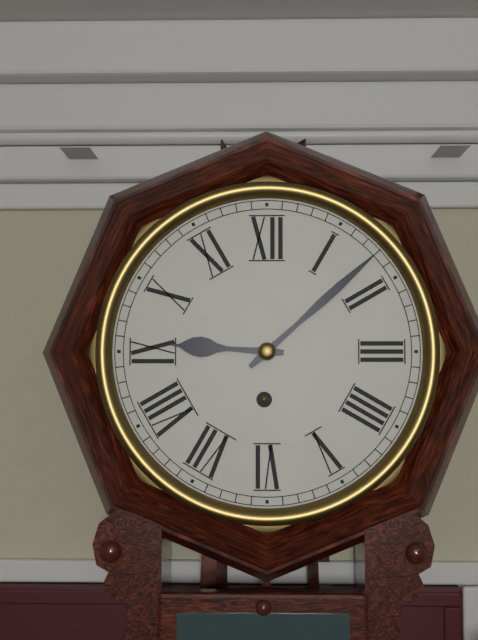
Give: 9h08
